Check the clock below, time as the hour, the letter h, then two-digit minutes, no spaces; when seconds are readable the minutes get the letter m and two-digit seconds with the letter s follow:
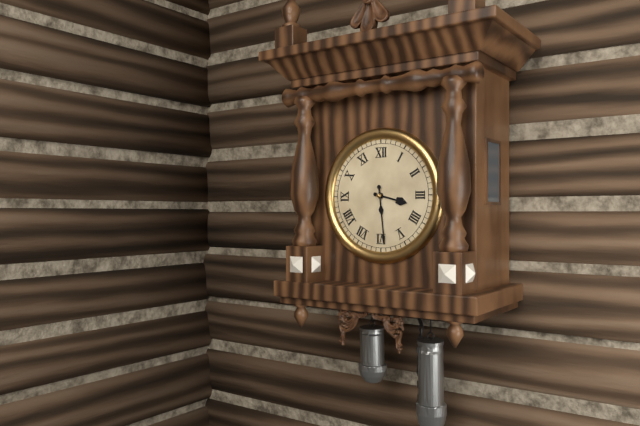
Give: 3h29
